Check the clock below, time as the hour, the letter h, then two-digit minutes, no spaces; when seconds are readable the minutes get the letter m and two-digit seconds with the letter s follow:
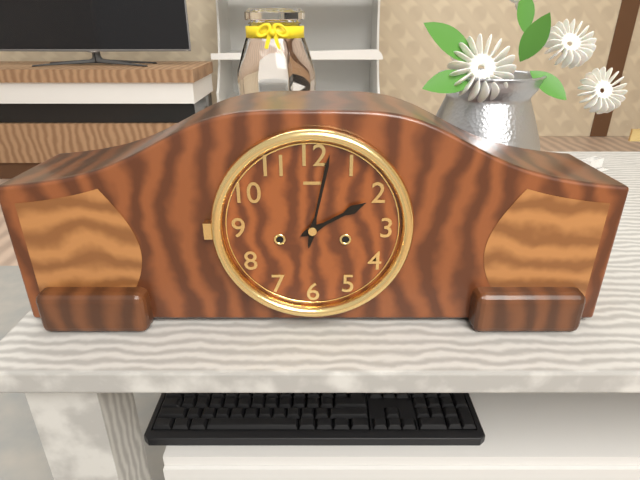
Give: 2h02
